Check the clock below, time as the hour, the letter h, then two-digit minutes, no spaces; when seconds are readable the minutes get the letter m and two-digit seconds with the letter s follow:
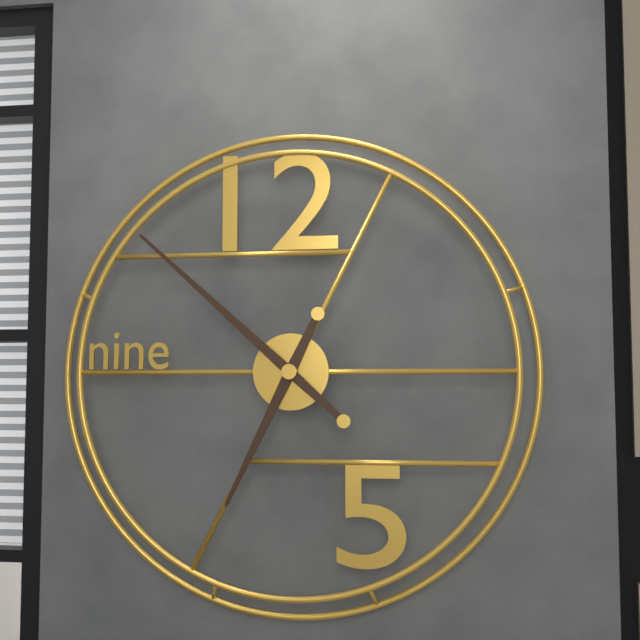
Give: 6h52
